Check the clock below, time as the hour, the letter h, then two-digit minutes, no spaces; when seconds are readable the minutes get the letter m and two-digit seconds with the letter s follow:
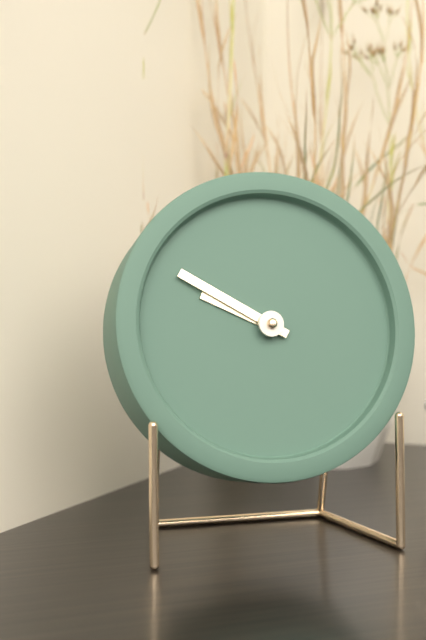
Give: 9h50
